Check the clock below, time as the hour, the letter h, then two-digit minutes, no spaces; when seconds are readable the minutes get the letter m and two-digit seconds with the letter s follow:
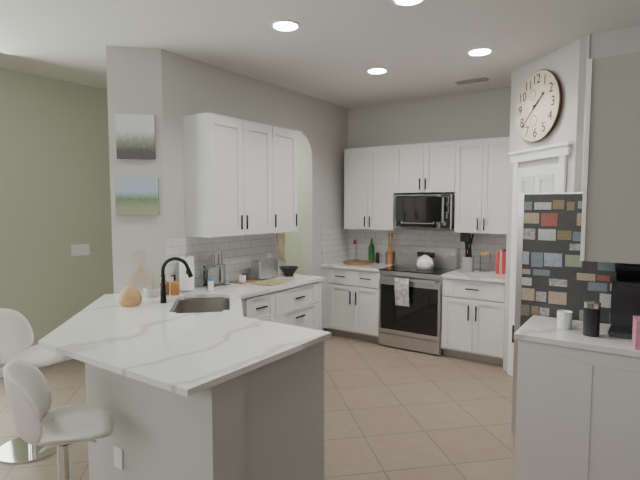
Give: 1h38
